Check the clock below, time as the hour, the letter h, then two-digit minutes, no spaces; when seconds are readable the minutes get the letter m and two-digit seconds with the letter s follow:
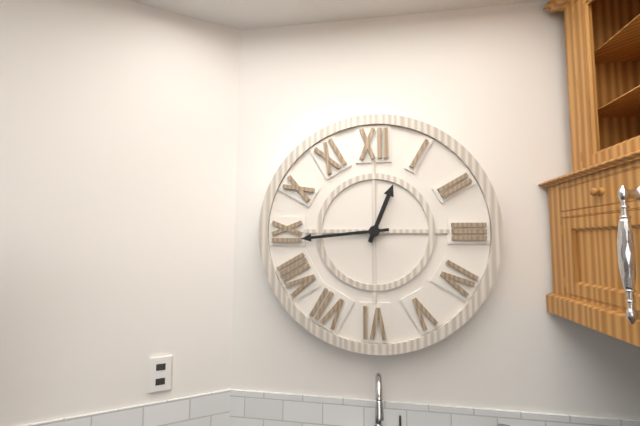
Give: 12h44
